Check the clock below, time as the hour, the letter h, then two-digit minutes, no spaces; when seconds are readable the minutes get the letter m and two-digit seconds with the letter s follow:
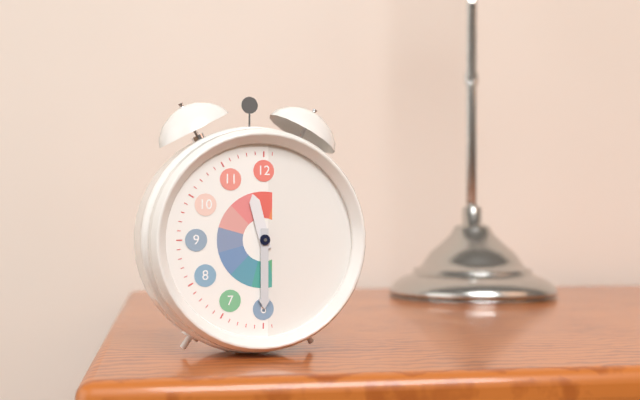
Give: 11h30
